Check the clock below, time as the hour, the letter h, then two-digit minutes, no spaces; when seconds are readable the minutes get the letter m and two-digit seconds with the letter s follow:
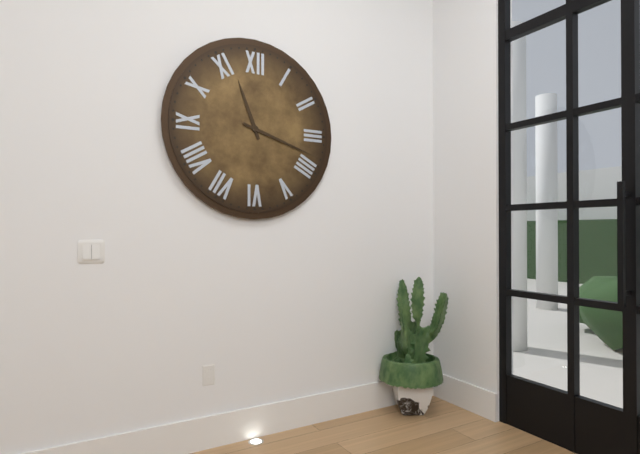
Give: 11h18
